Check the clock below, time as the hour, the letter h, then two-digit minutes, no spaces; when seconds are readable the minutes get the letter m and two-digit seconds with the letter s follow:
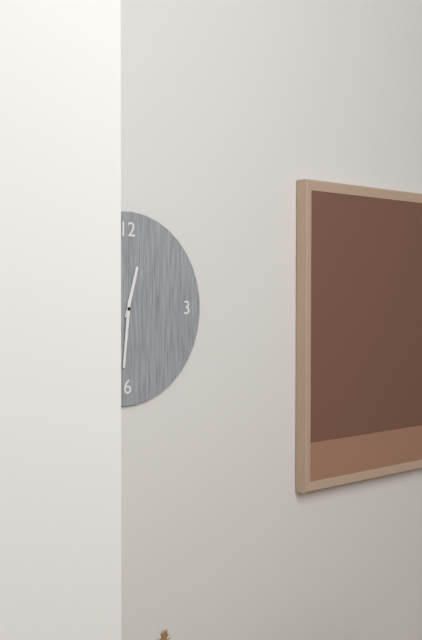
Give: 12h31
